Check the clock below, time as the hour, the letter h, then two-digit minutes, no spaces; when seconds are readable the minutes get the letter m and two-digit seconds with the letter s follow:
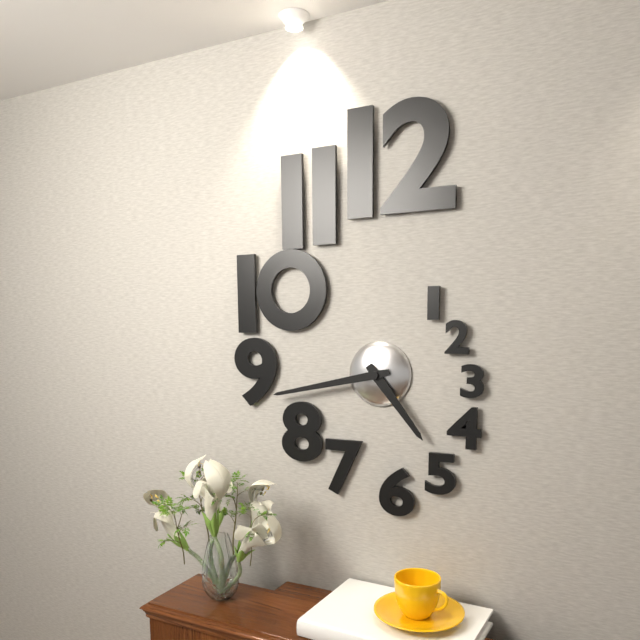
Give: 4h43
